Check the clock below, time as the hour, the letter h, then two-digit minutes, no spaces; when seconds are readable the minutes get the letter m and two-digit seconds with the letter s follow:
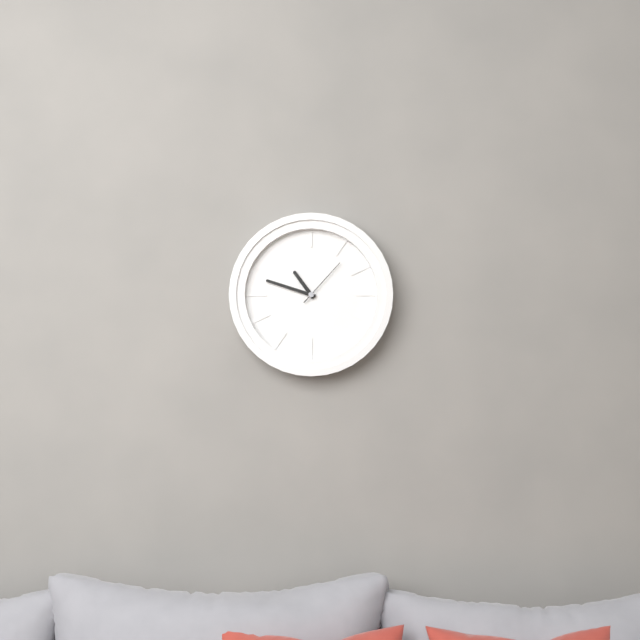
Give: 10h48m07s
